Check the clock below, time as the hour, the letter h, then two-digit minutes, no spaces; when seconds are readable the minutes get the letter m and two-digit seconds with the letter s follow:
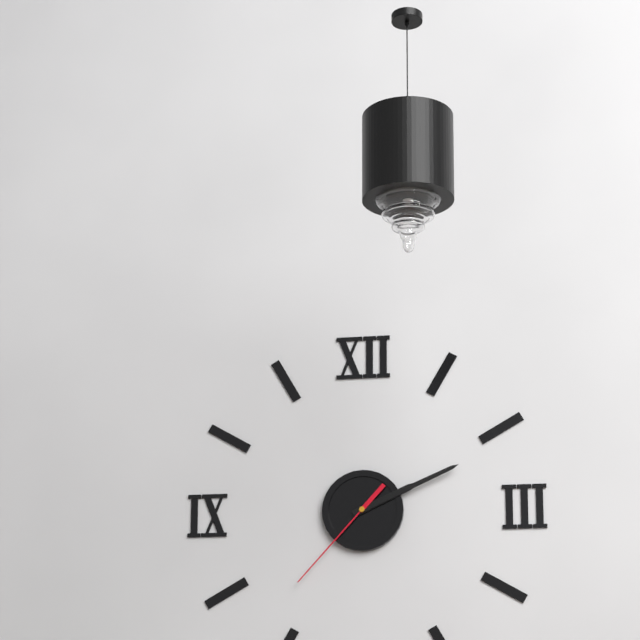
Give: 2h11m37s
